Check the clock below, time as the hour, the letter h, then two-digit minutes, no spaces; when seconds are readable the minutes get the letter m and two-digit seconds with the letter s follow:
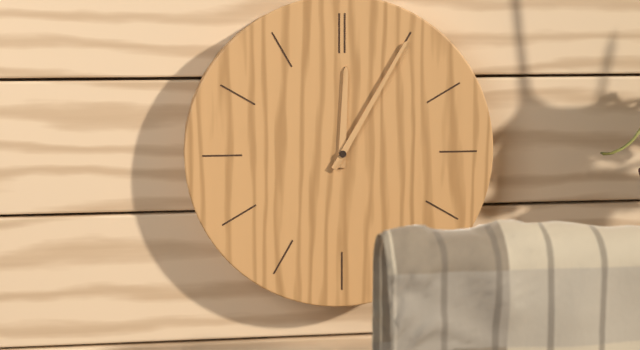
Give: 12h05
